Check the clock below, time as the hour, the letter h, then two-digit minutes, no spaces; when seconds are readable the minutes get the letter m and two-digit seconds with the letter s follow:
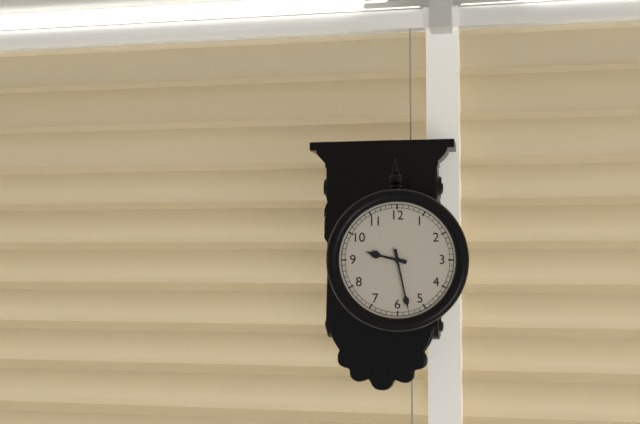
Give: 9h28
